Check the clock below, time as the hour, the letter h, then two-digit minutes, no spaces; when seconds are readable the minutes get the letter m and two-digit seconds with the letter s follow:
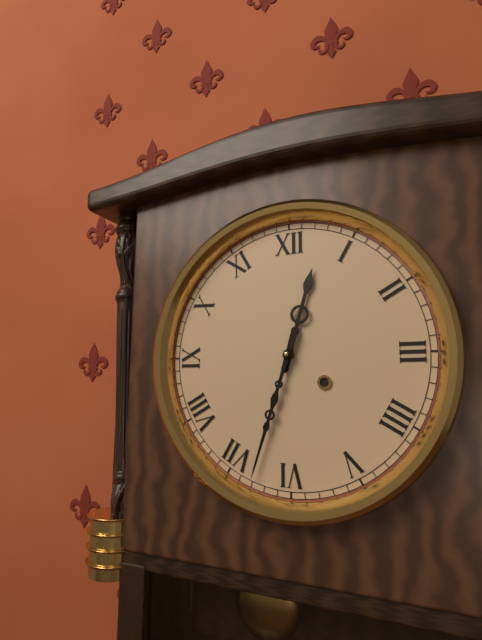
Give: 12h33
